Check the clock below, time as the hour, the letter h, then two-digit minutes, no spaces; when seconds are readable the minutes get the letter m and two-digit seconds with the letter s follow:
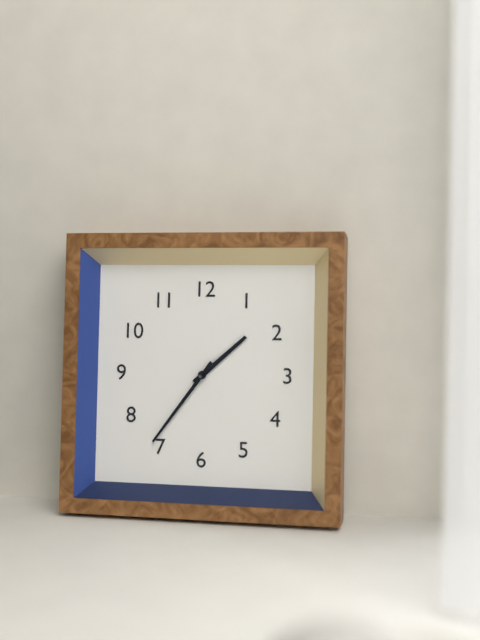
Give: 1h36
